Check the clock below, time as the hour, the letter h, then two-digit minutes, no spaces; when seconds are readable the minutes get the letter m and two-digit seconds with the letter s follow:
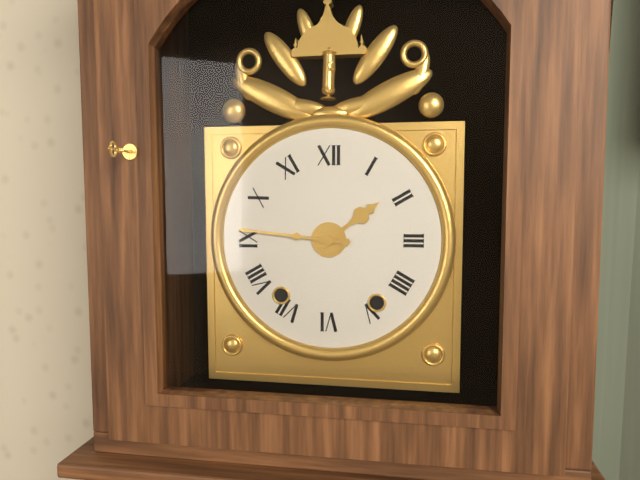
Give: 1h46
